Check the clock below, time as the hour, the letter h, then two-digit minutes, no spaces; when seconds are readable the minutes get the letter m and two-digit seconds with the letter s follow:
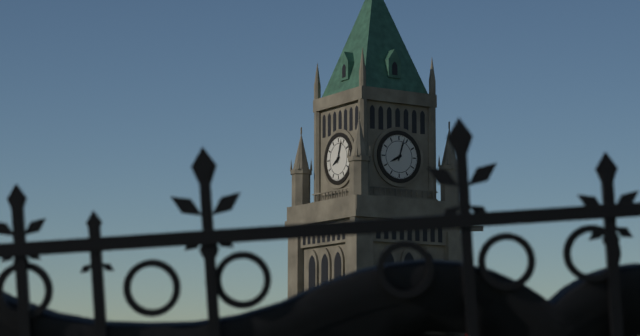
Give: 8h03
